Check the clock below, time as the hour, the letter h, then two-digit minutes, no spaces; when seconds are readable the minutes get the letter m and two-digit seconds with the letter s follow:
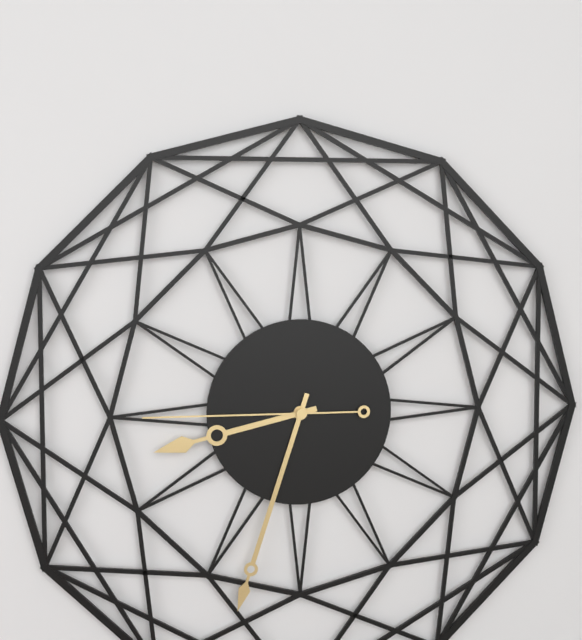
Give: 8h33m45s
